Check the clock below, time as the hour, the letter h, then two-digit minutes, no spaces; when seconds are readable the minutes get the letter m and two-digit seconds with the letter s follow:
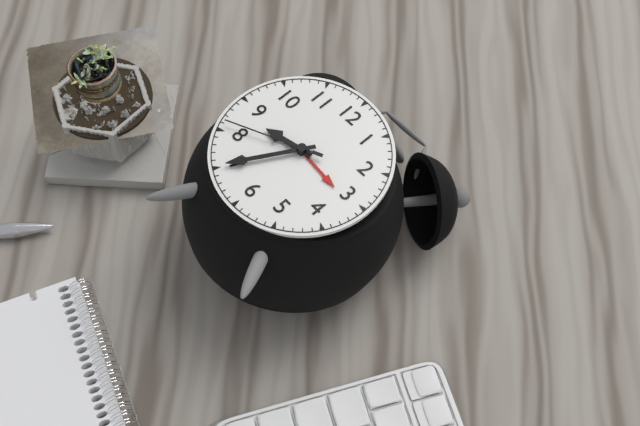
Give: 8h35m41s
